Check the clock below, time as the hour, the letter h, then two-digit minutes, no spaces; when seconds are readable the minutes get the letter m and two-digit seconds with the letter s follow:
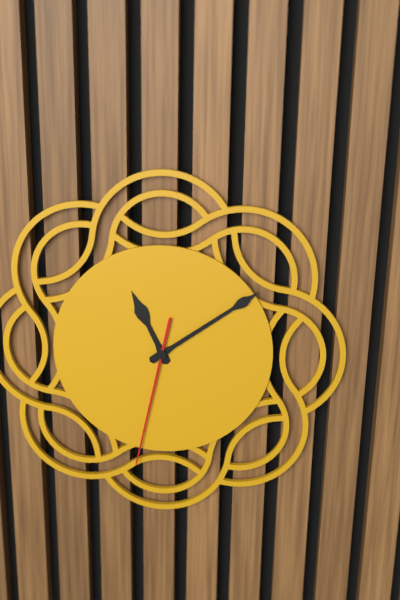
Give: 11h09m32s
